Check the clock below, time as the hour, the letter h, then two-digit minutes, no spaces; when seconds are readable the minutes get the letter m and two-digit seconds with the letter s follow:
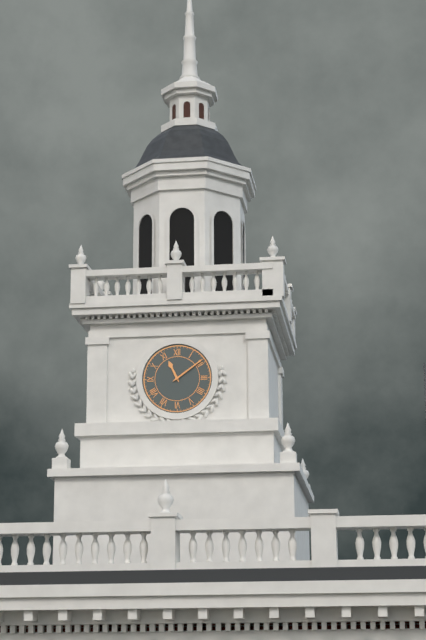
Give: 11h09
